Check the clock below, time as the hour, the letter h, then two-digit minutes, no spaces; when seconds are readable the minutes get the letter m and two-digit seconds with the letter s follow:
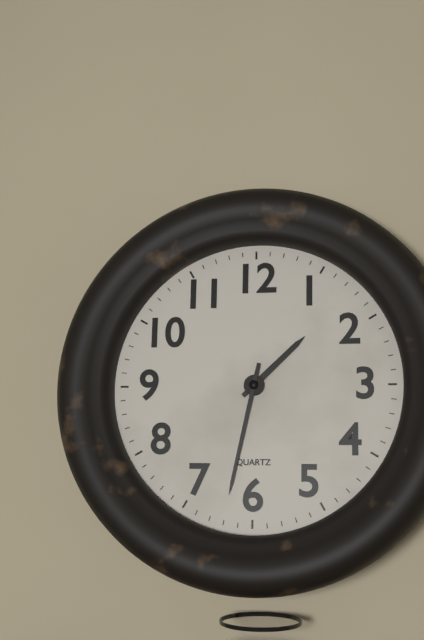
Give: 1h32
